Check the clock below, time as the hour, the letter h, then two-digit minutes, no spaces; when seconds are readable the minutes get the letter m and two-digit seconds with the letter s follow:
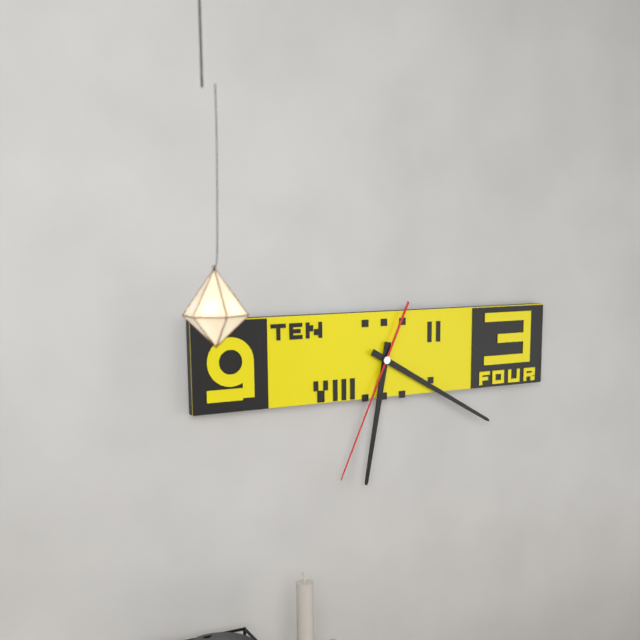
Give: 6h20m34s
